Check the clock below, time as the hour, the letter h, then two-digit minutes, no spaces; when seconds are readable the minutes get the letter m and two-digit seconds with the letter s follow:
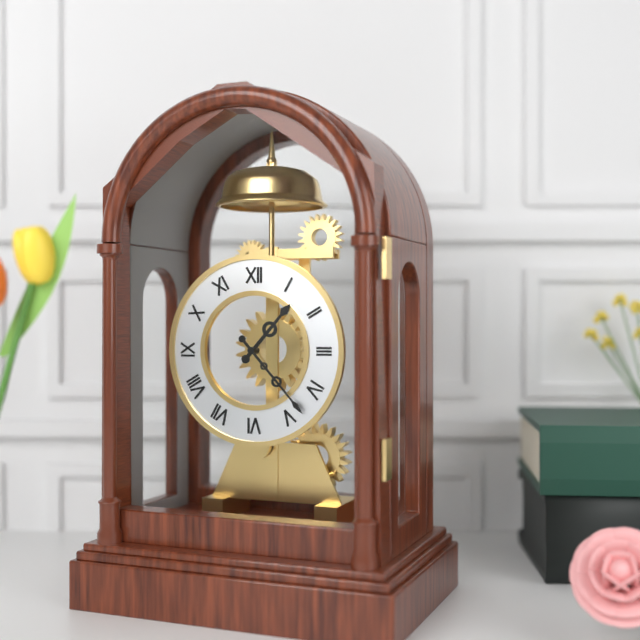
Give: 1h23
